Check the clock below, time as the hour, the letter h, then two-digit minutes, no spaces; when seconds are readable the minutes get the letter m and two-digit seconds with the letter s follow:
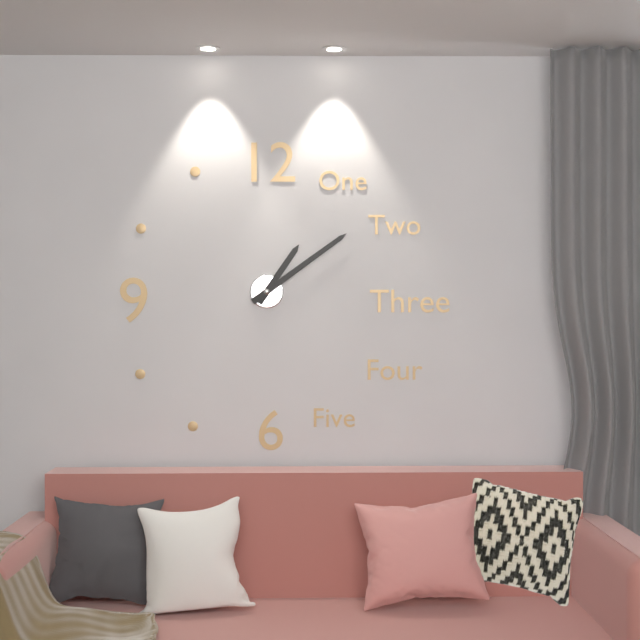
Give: 1h09
